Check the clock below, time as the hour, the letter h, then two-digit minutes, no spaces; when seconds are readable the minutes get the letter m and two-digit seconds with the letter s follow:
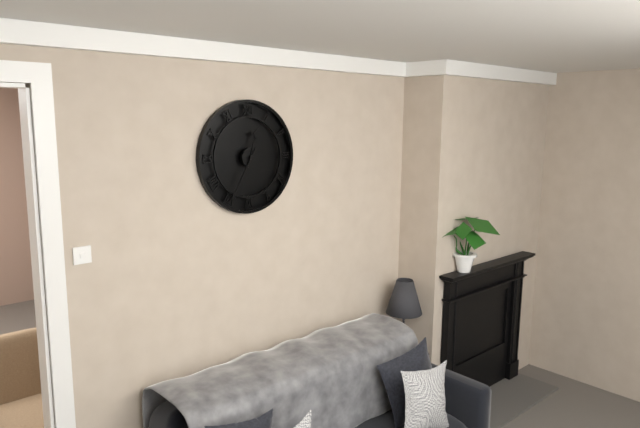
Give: 12h35
